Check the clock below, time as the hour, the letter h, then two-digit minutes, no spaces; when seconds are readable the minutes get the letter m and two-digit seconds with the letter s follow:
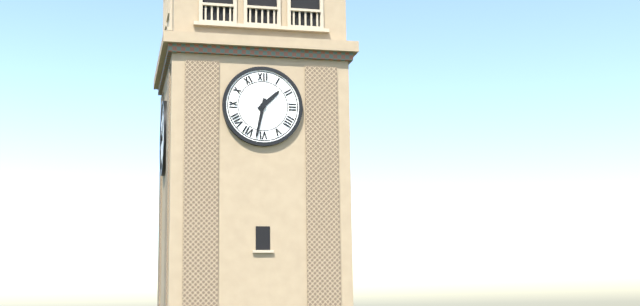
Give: 1h32
